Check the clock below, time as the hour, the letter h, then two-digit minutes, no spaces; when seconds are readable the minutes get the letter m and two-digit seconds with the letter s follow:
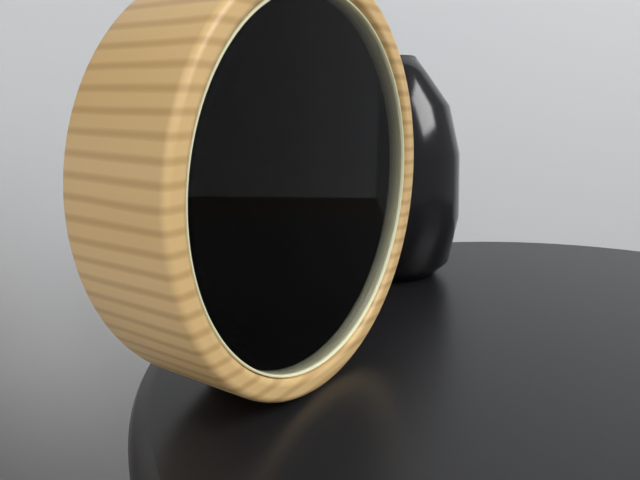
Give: 7h30m55s
